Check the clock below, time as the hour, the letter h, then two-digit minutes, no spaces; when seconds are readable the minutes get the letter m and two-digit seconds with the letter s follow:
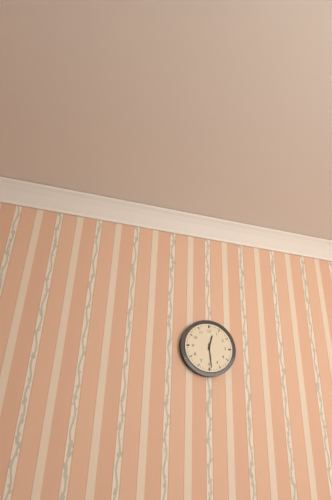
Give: 12h29
